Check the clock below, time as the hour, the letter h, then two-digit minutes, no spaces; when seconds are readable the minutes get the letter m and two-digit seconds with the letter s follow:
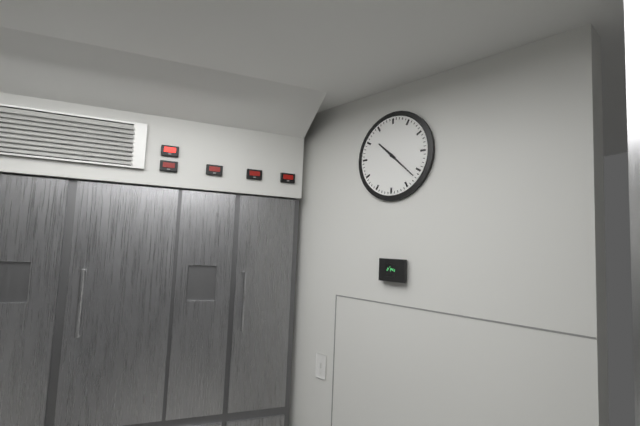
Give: 10h22
